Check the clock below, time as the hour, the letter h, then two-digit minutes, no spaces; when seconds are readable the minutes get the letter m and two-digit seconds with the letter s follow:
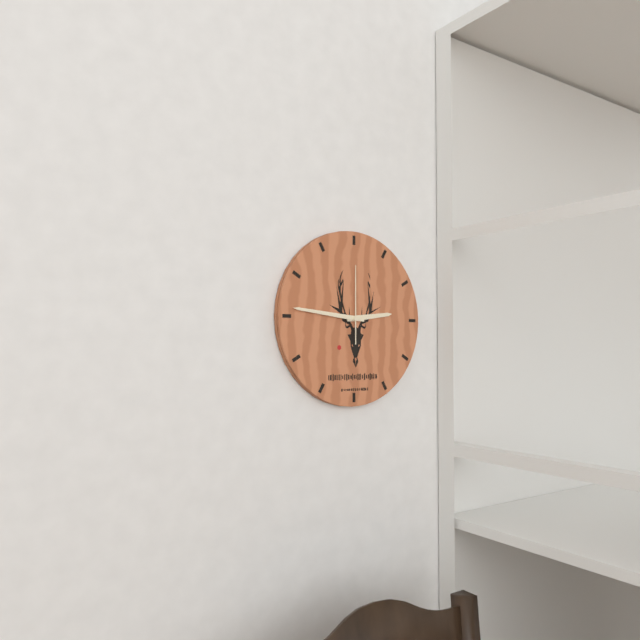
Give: 2h46m00s
